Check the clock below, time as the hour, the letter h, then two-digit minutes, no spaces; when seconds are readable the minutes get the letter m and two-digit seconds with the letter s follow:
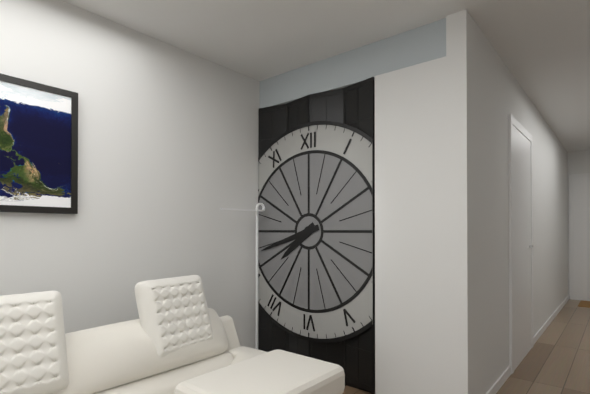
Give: 7h42
